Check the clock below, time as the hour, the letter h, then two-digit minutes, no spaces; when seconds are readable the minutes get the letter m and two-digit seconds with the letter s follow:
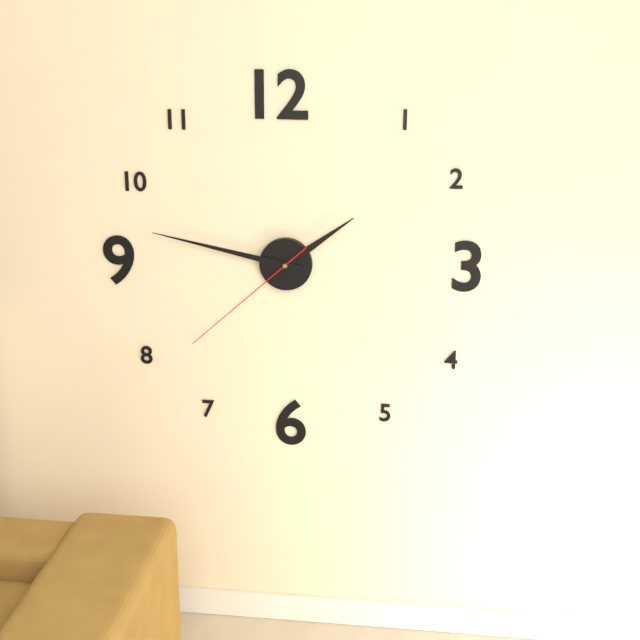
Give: 1h47m38s
